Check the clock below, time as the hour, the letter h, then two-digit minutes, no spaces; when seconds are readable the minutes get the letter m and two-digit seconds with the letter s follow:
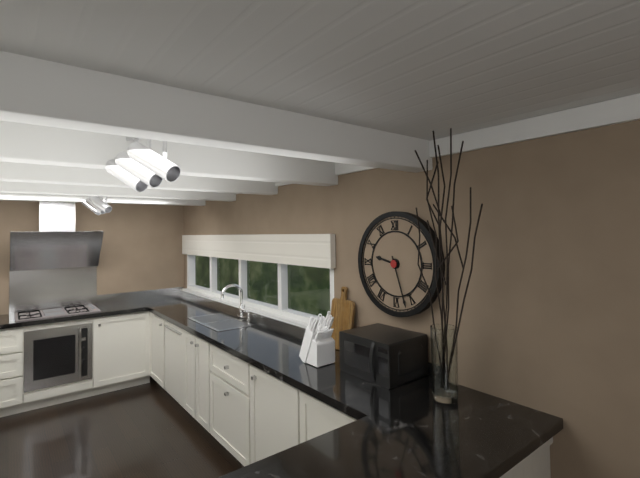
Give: 9h27
